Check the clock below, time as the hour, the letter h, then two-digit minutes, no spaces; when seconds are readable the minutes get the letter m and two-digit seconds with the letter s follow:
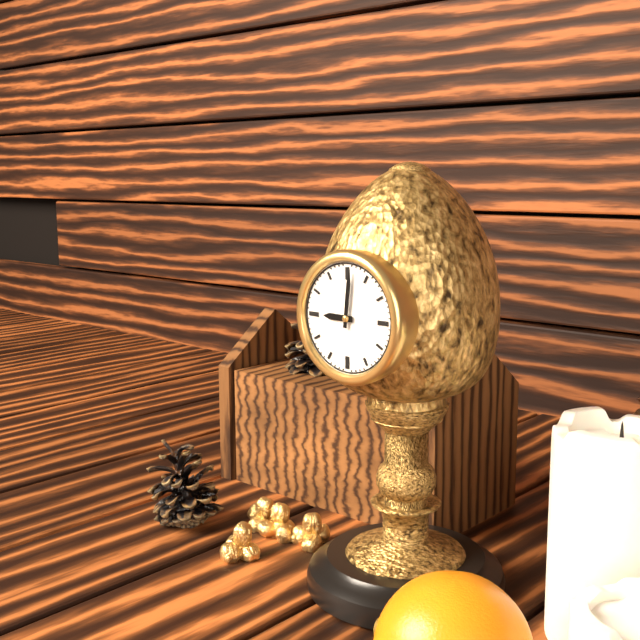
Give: 9h01
